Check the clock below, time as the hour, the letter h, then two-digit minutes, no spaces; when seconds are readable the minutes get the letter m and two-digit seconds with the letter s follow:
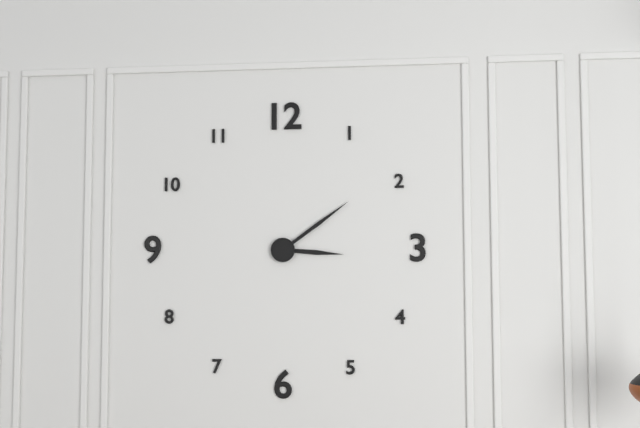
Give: 3h09
